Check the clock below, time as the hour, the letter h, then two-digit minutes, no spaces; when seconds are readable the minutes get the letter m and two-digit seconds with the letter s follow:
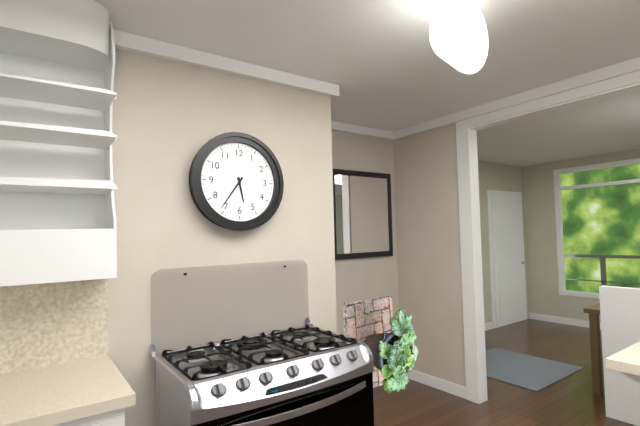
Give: 5h36
